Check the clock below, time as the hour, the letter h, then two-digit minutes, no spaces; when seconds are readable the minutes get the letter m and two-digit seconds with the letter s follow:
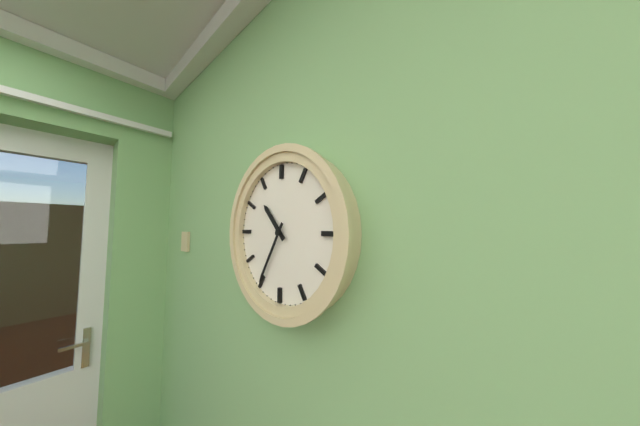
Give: 10h35
